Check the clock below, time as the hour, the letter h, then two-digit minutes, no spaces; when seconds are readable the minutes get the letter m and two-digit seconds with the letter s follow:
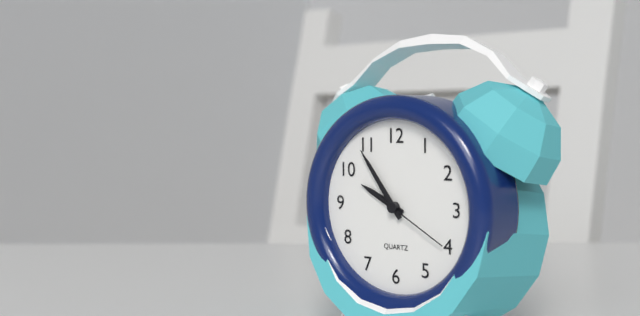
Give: 9h54m20s
